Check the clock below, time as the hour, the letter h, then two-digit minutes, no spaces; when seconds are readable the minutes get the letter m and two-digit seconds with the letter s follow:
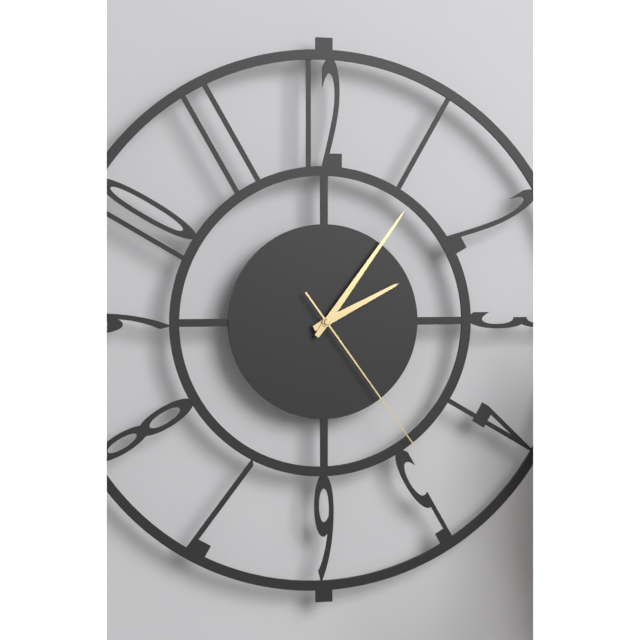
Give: 2h06m24s
